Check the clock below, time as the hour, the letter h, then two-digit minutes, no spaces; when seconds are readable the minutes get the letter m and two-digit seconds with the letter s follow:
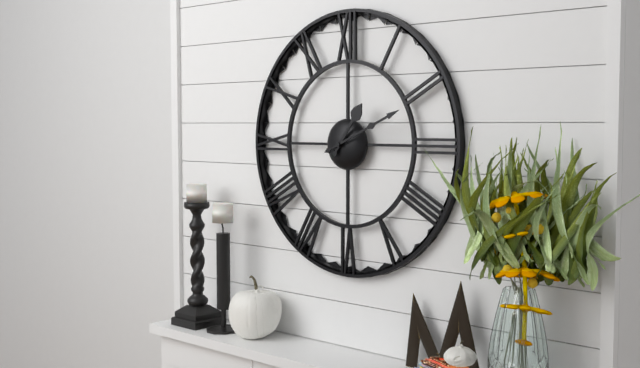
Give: 1h11
